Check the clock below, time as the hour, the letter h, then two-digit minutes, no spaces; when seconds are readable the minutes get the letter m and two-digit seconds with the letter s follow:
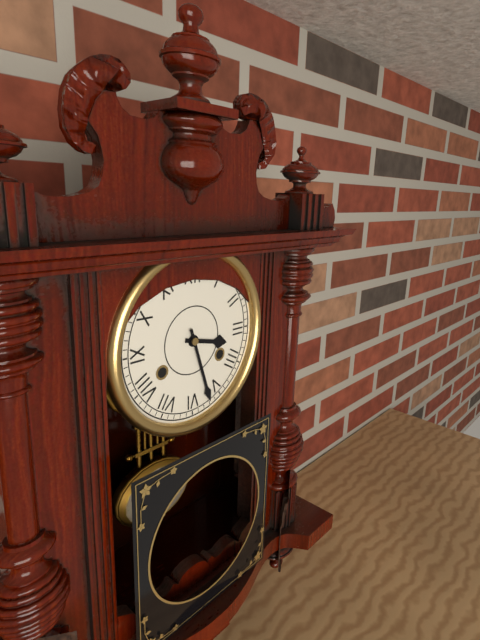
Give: 3h27
